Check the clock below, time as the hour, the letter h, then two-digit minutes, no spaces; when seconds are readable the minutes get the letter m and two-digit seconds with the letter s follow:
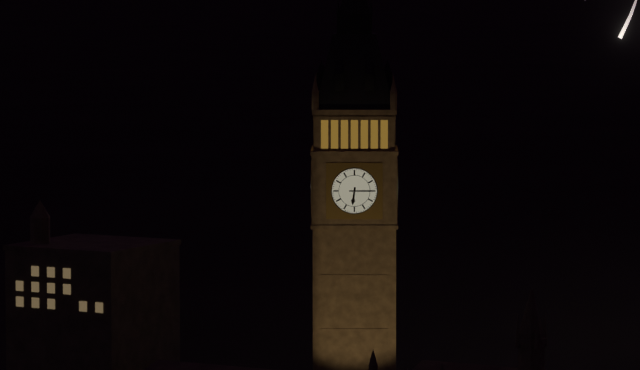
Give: 6h15
